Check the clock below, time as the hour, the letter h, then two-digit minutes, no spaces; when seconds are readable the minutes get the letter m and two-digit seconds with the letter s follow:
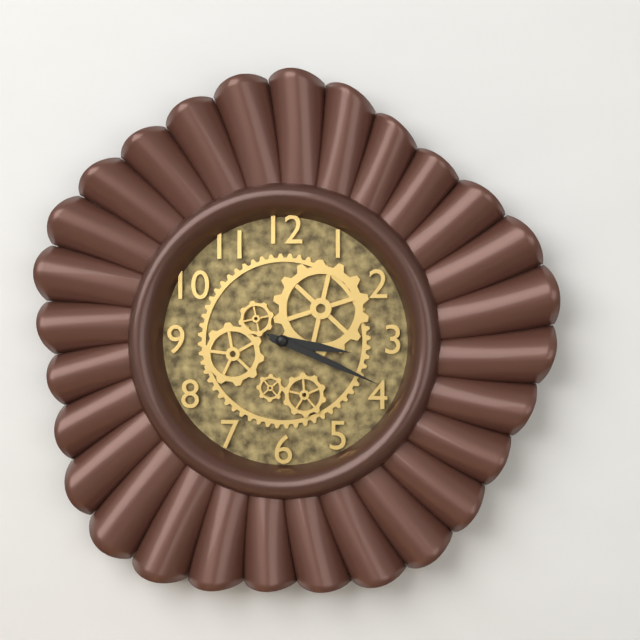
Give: 3h19
